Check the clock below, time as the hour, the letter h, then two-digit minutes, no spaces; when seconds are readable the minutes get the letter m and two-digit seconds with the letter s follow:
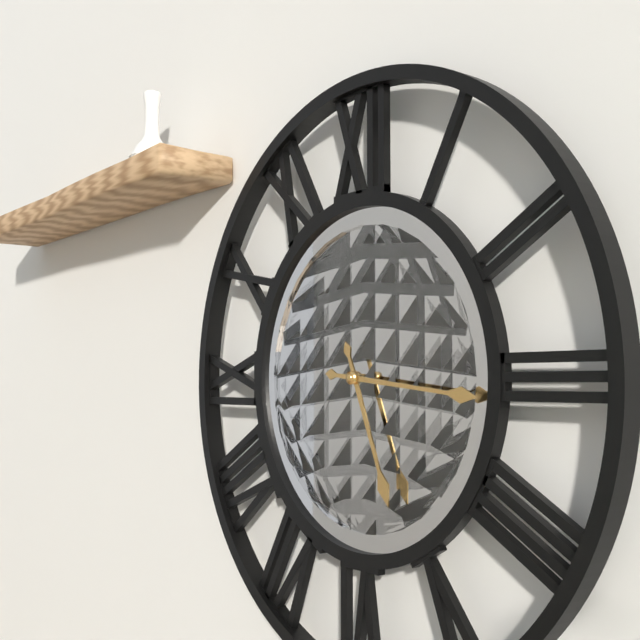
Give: 5h16
